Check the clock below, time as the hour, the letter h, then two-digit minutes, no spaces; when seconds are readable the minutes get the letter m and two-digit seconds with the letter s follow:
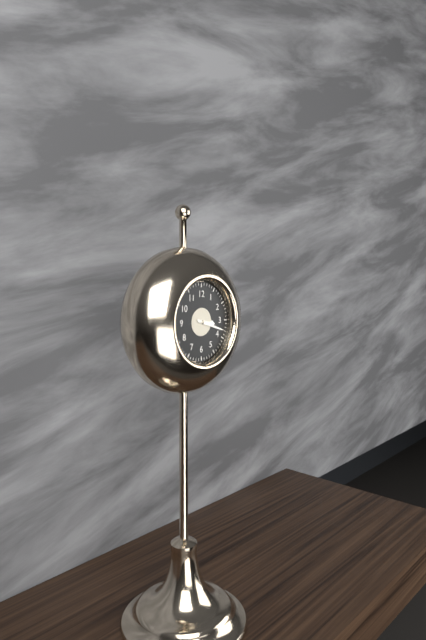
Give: 3h18
